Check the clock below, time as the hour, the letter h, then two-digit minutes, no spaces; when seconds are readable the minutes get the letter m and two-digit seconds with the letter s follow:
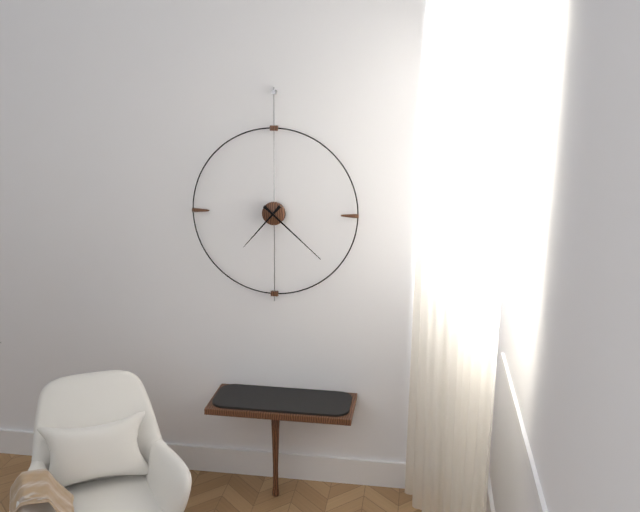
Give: 7h22
